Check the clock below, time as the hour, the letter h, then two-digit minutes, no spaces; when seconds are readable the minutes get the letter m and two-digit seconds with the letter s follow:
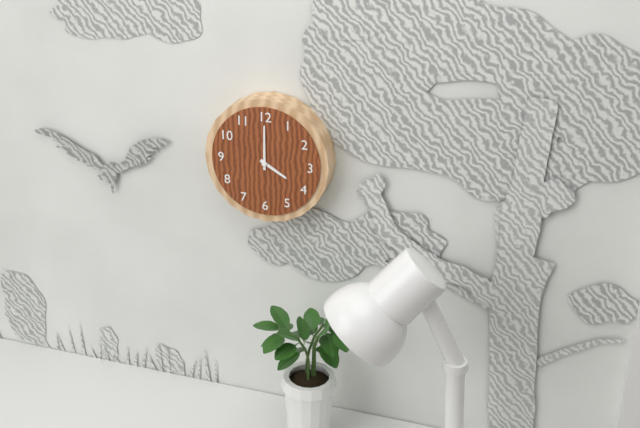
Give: 4h00
